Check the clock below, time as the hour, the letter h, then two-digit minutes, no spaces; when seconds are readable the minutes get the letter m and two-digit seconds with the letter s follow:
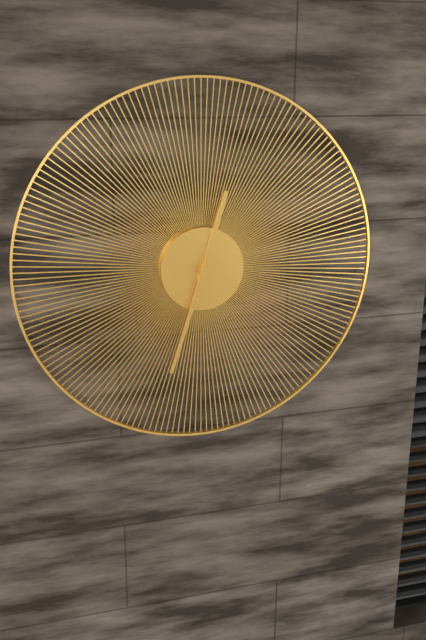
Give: 12h33
